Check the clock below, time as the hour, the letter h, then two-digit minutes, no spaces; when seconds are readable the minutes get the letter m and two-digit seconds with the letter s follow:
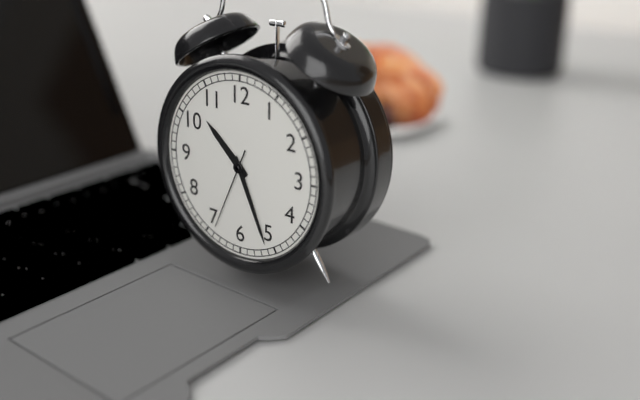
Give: 10h26m34s
